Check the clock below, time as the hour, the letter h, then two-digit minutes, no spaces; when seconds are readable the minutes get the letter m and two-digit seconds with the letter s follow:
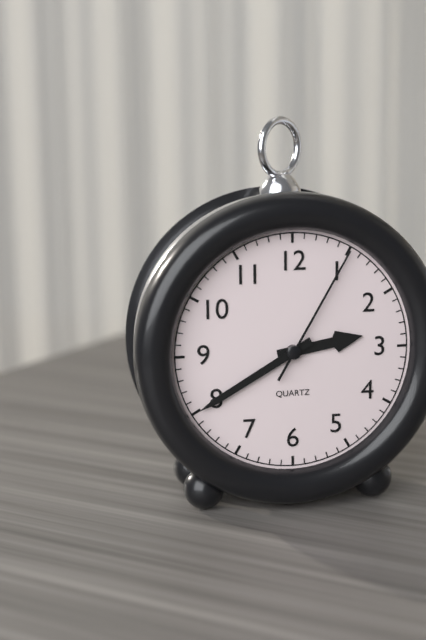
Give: 2h40m05s
